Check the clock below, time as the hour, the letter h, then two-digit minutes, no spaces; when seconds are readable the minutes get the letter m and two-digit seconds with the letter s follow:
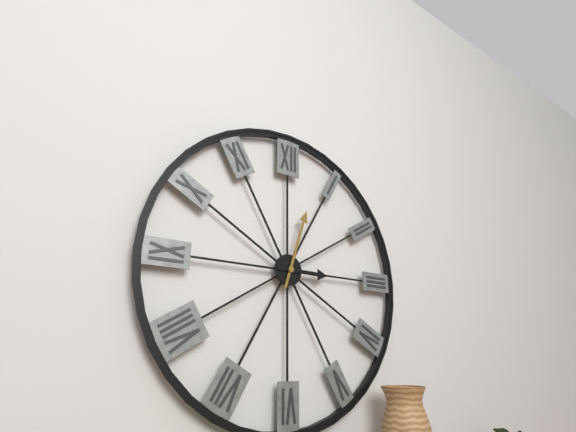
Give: 3h03
